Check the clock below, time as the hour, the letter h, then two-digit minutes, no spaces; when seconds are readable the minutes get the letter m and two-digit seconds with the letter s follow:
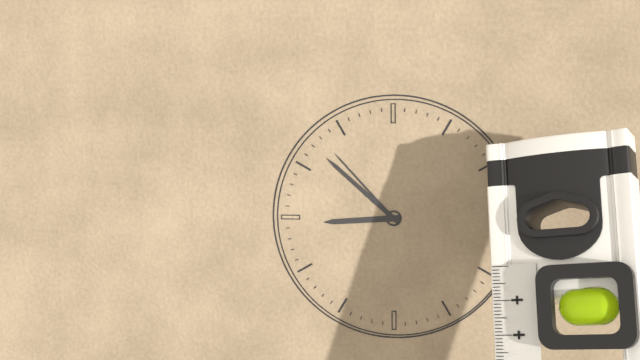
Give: 8h52m53s
